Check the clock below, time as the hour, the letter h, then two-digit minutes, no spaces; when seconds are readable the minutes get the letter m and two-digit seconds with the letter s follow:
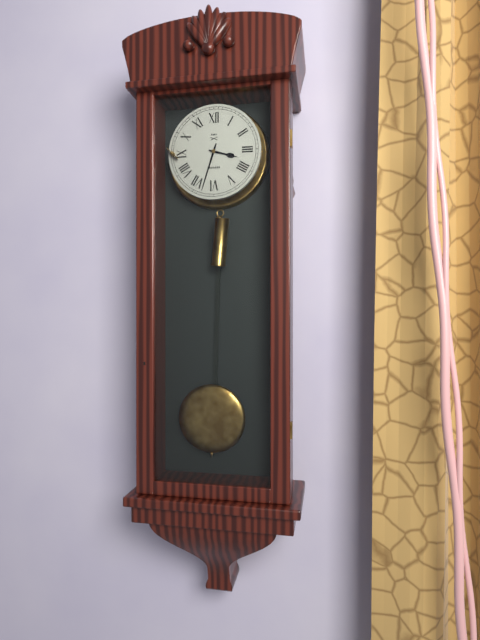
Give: 3h33
